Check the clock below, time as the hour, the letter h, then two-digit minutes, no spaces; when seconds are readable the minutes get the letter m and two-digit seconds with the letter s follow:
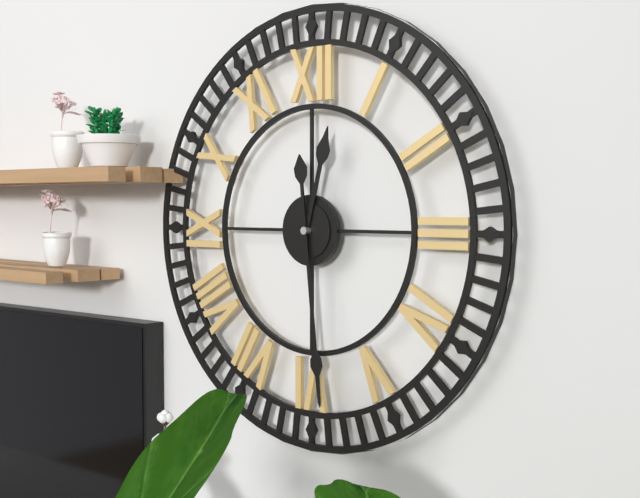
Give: 12h29
